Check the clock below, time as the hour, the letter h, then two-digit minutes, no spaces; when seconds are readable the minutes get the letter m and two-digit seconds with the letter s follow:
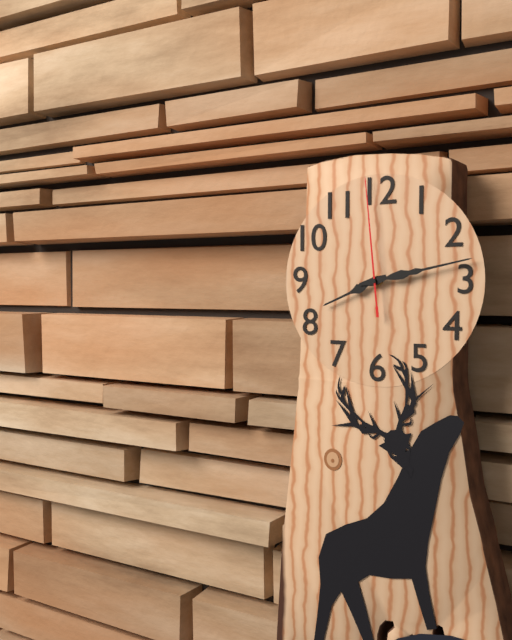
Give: 8h13m59s
